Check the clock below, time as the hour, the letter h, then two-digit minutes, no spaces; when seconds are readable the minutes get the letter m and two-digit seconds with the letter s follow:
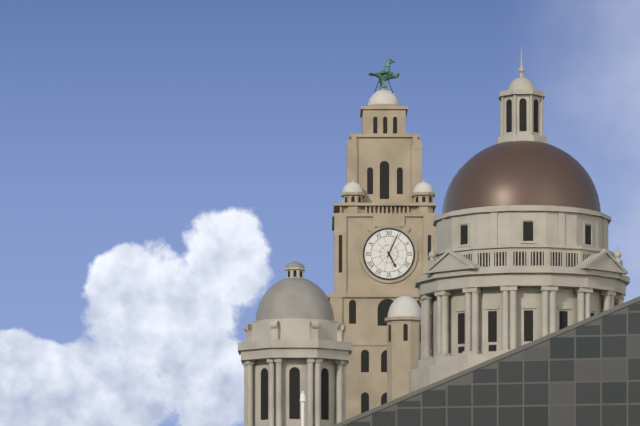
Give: 5h04
